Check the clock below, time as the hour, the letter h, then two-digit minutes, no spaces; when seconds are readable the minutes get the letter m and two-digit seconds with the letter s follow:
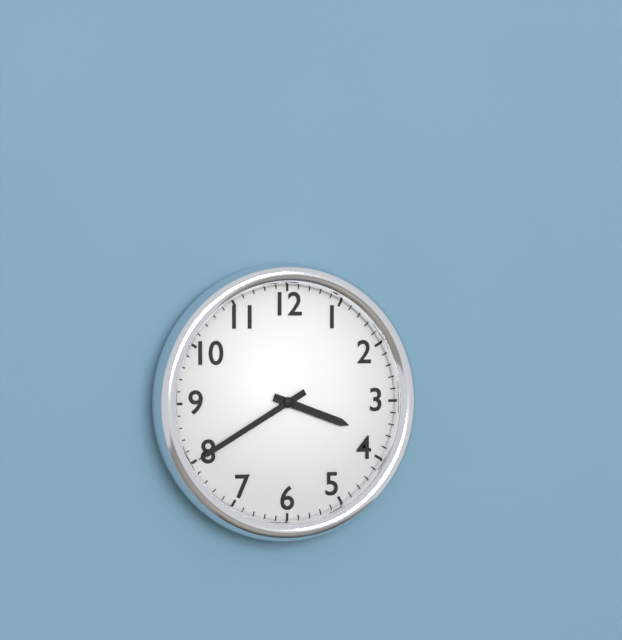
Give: 3h40
